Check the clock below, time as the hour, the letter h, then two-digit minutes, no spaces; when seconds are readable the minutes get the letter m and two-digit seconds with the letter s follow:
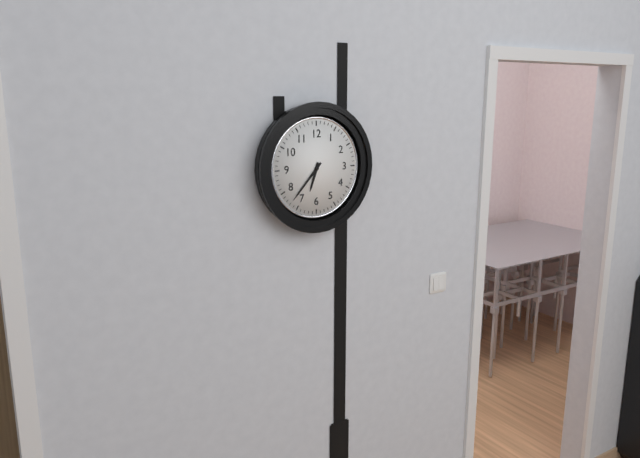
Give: 6h37
